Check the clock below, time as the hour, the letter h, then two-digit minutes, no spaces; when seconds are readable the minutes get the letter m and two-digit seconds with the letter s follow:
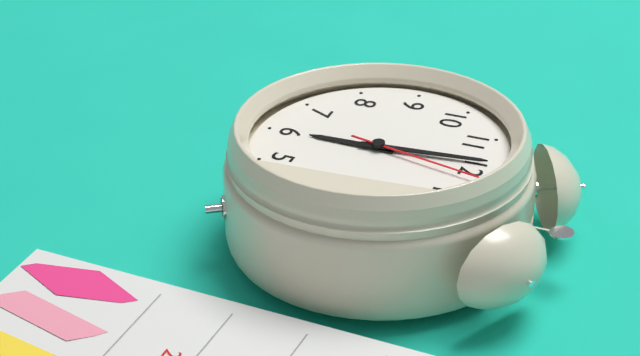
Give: 5h59m02s
